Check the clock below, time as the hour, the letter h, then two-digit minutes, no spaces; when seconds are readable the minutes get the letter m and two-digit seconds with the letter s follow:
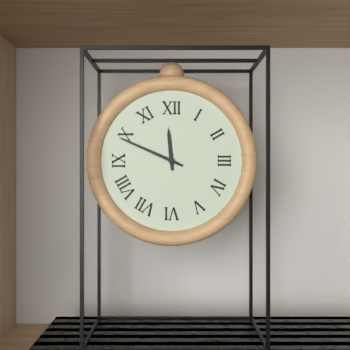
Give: 11h49
